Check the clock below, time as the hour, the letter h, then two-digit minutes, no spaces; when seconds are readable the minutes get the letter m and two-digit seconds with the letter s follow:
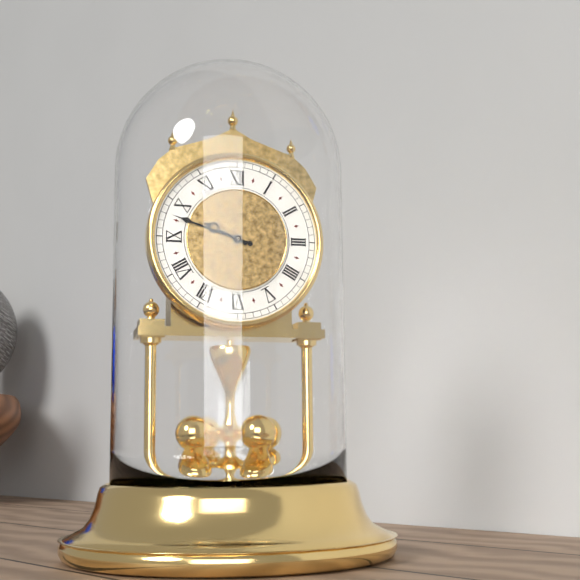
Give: 9h48
